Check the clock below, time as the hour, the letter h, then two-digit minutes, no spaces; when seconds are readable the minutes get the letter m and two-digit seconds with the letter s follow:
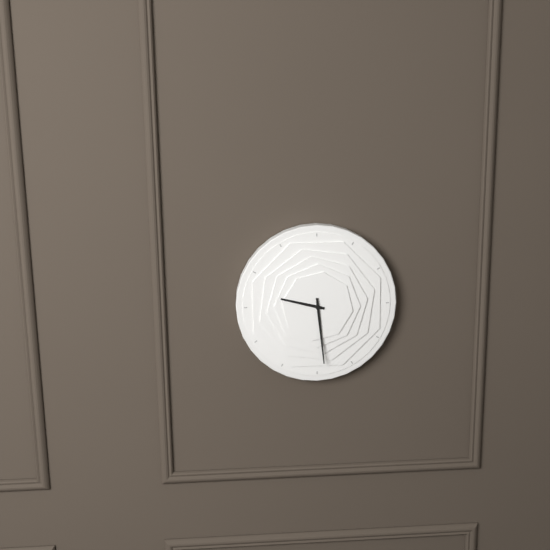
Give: 9h29
